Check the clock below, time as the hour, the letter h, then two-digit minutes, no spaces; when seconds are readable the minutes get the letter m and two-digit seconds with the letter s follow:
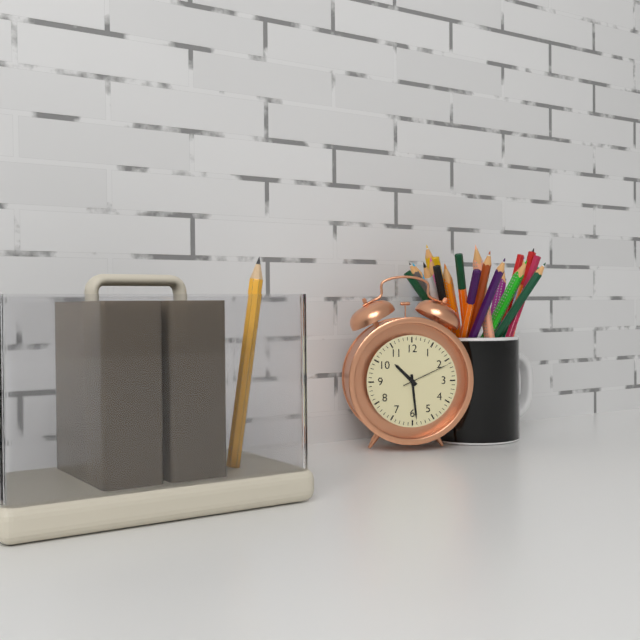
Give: 10h29m11s
